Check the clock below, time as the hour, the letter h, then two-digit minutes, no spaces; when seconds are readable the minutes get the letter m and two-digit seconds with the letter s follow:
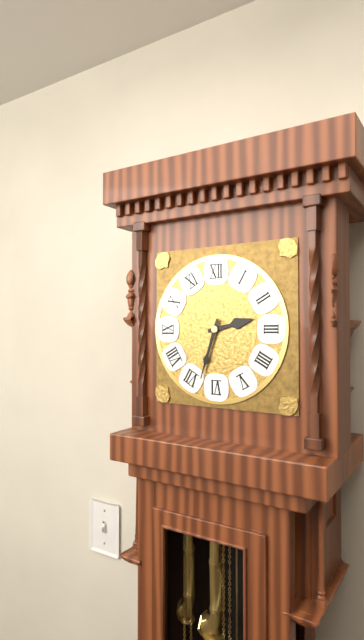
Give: 2h33
